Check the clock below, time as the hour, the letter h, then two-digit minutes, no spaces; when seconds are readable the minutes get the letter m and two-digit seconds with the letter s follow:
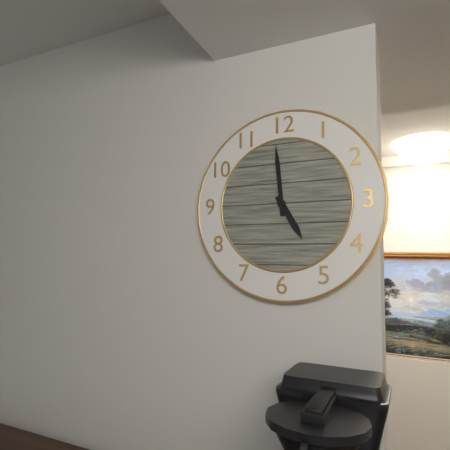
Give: 4h59
